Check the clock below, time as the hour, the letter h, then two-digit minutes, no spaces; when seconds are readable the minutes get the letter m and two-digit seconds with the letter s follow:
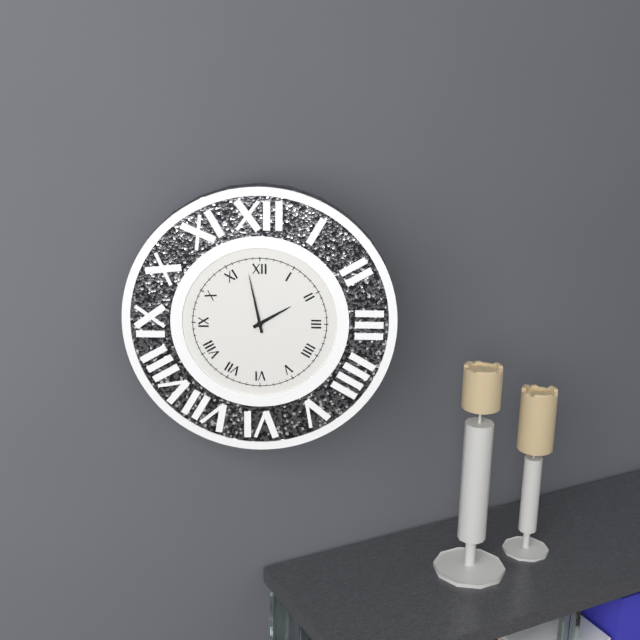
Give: 1h58
